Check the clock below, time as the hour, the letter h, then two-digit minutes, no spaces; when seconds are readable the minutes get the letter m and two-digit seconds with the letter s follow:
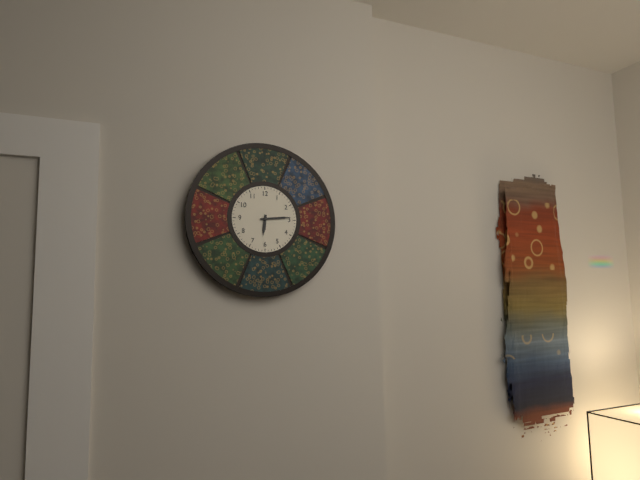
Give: 6h14
